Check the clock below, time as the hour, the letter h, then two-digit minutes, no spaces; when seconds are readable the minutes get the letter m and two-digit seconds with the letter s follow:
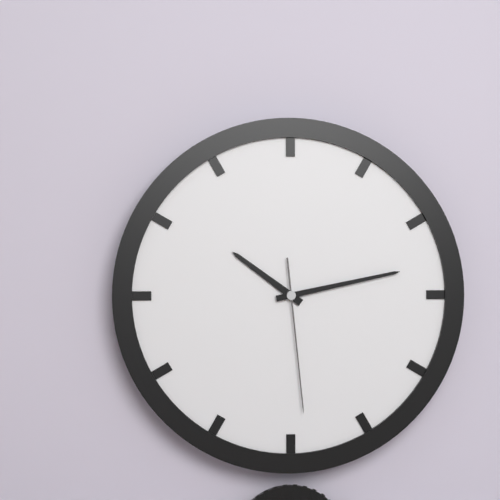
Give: 10h13m29s
